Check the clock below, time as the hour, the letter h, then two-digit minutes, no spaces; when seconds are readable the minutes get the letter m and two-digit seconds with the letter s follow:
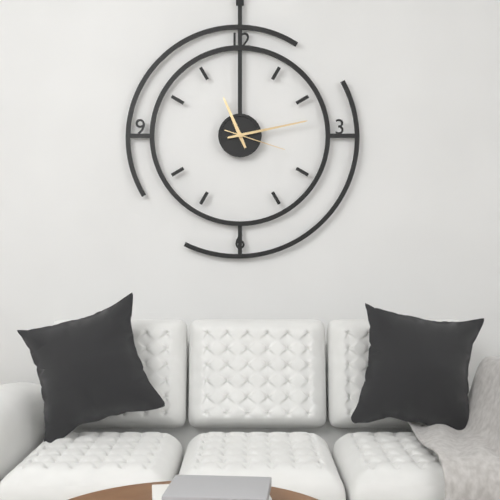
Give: 11h13m18s
